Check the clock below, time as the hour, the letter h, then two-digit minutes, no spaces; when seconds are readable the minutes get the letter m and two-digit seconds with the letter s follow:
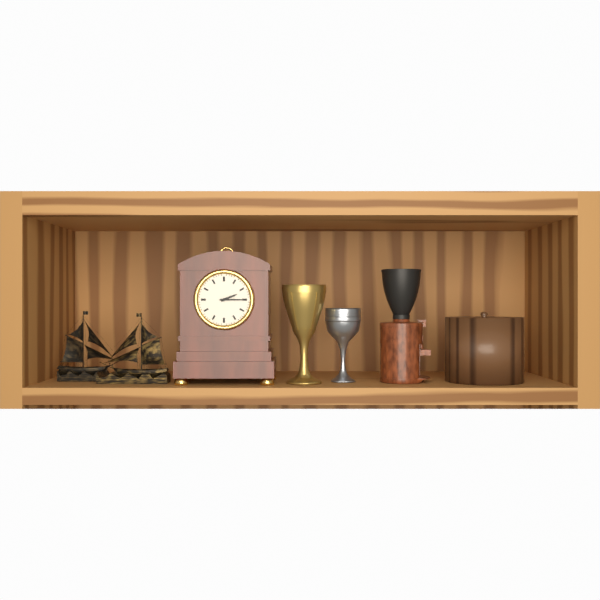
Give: 2h15
